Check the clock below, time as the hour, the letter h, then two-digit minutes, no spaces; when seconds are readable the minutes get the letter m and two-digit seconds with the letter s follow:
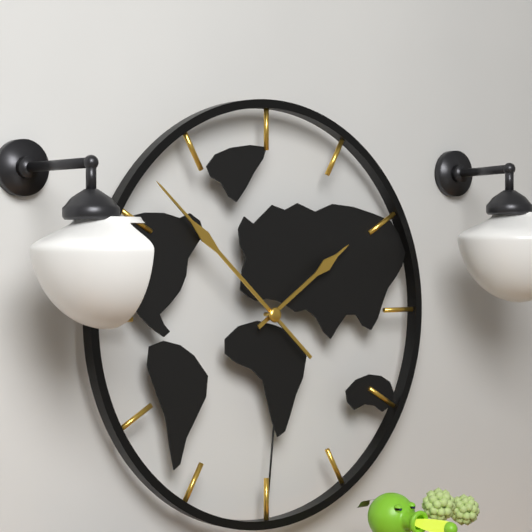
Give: 1h52
